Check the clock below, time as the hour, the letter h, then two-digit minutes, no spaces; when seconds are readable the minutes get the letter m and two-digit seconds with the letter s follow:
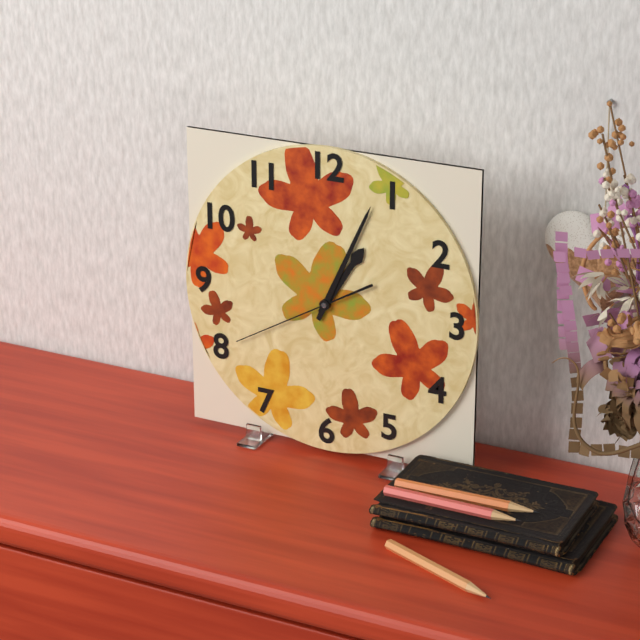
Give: 1h04m40s
